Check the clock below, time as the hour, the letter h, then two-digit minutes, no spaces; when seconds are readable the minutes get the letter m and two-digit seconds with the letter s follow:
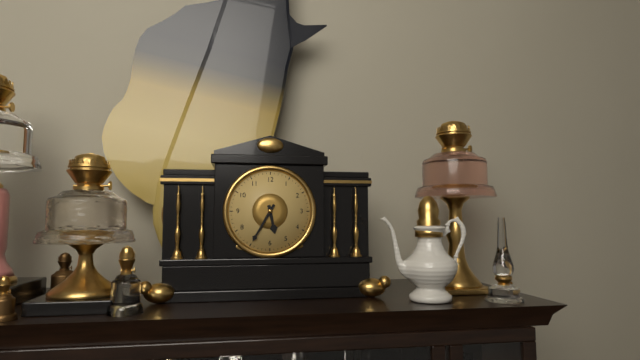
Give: 5h35
